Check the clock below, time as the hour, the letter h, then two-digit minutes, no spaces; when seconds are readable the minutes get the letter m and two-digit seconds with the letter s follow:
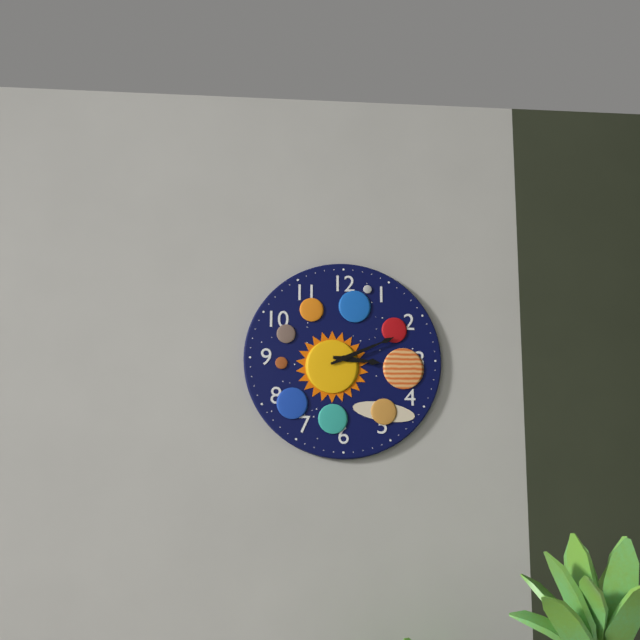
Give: 3h11
